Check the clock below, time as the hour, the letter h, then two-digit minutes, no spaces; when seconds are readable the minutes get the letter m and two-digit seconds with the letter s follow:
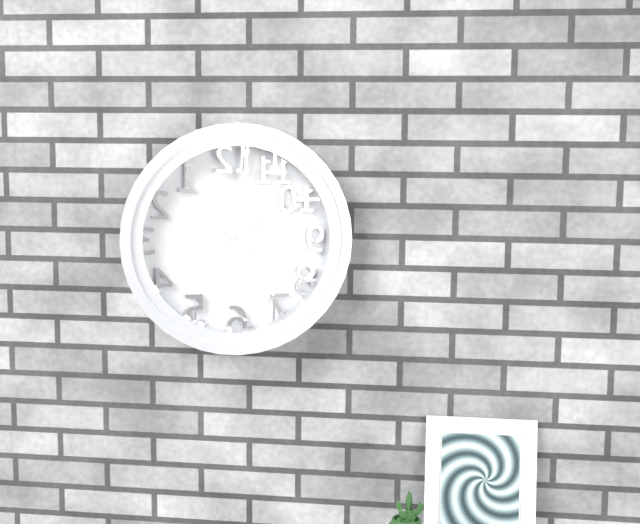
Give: 2h01
